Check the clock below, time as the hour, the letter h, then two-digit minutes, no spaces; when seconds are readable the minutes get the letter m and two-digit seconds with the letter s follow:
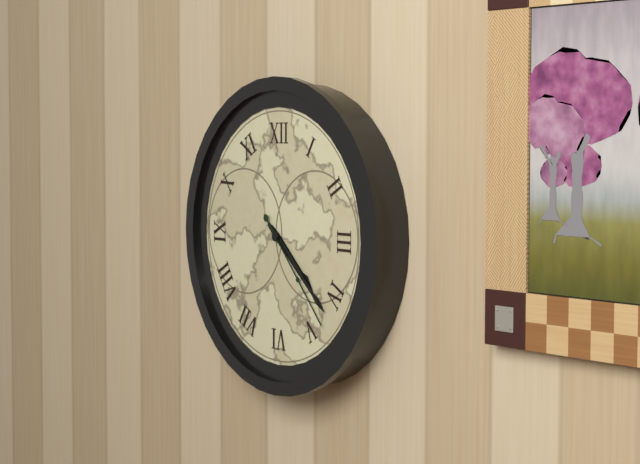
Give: 4h22m23s
